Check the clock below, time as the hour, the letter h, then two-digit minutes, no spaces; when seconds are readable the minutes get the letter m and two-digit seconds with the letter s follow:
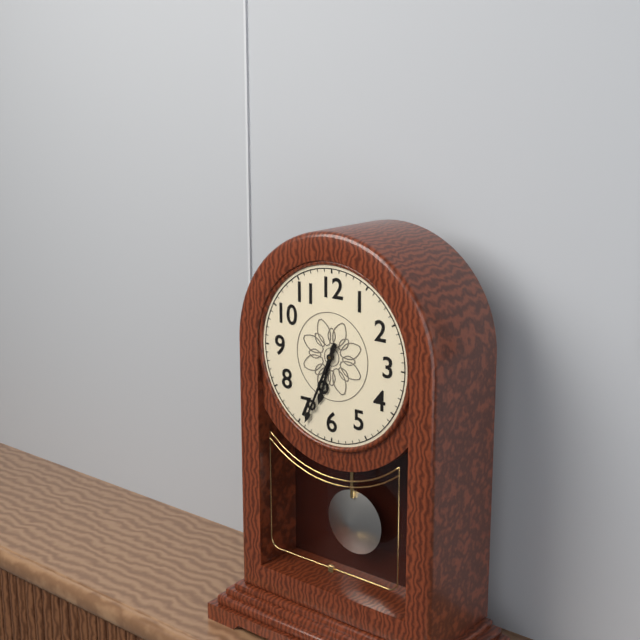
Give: 6h34
